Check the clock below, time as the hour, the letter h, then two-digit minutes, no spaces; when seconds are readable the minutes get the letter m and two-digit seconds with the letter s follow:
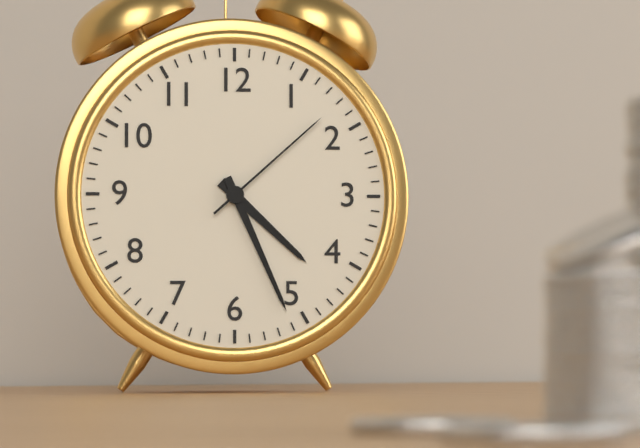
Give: 4h26m08s
